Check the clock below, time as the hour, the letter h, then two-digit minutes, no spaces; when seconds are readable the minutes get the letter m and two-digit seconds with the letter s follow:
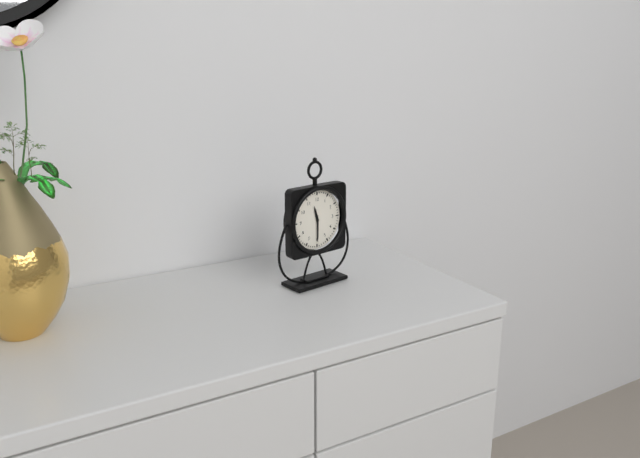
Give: 11h30
